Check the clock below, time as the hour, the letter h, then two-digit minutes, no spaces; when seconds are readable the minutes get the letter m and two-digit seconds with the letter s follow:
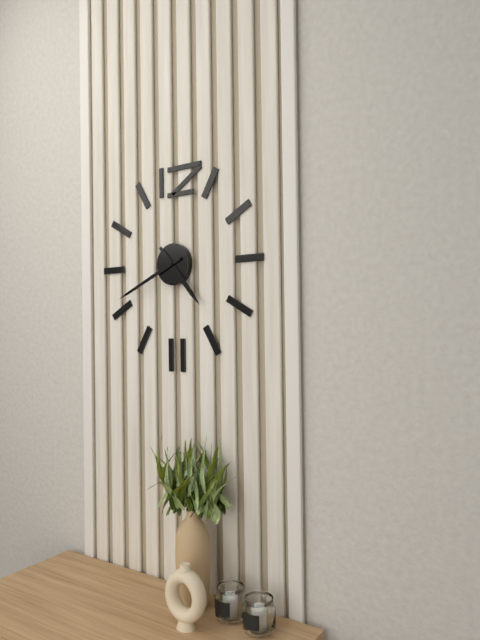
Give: 4h41
